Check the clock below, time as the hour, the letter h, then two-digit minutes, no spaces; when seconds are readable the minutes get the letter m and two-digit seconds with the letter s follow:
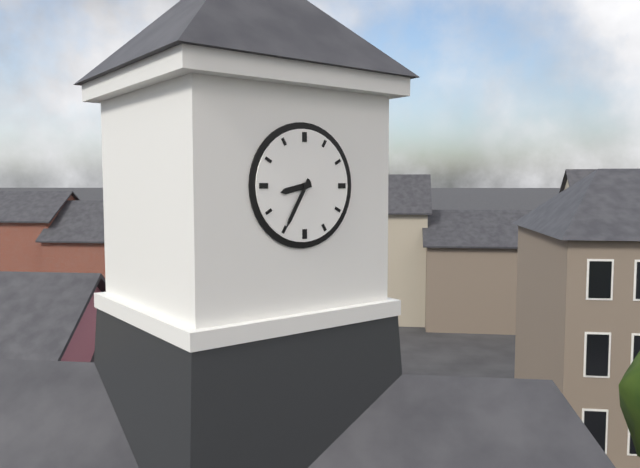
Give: 8h35
